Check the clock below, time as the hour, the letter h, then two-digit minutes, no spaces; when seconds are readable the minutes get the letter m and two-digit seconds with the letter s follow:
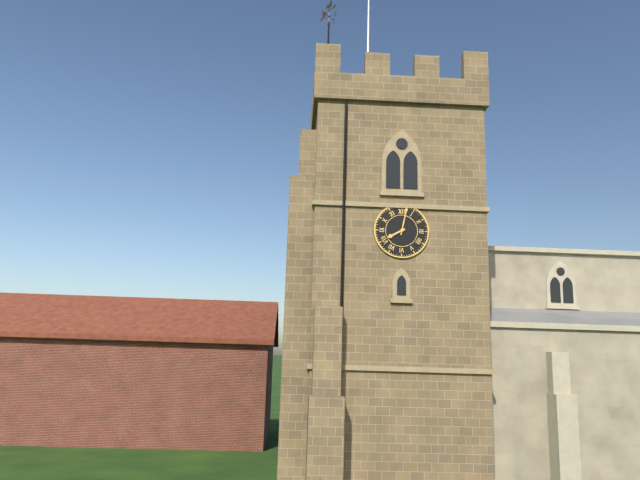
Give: 8h02
